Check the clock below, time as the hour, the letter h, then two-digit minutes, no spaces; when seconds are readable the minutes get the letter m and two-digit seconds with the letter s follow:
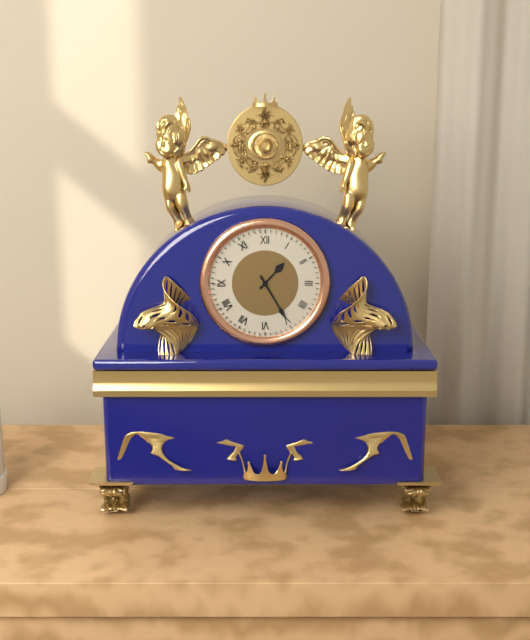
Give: 1h25
